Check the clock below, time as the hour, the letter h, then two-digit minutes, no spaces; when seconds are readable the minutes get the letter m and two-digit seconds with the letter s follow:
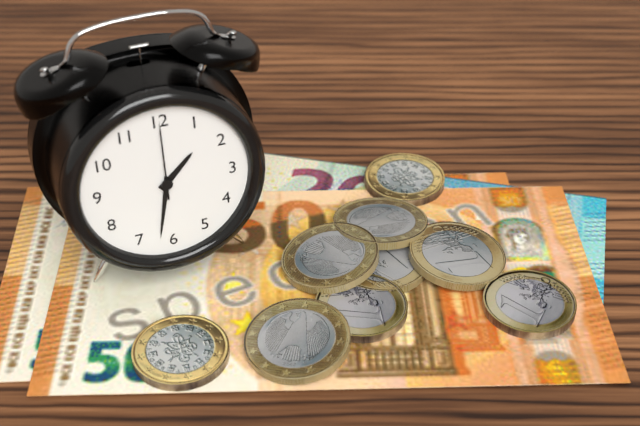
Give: 1h32m00s
